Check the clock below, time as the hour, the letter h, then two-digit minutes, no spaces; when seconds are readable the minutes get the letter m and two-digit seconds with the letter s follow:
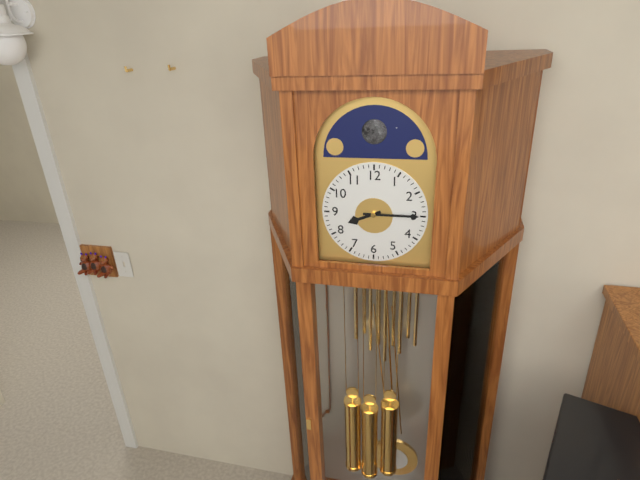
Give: 8h15
